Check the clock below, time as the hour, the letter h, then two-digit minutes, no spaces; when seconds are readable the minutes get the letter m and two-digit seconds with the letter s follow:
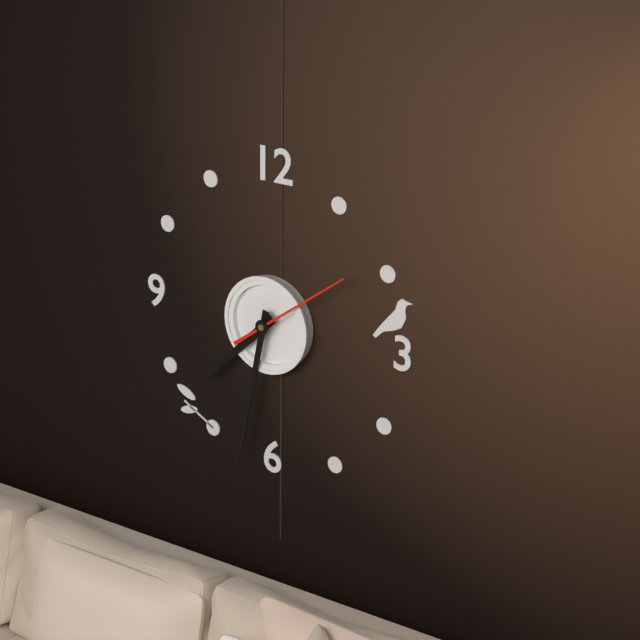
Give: 7h32m09s
